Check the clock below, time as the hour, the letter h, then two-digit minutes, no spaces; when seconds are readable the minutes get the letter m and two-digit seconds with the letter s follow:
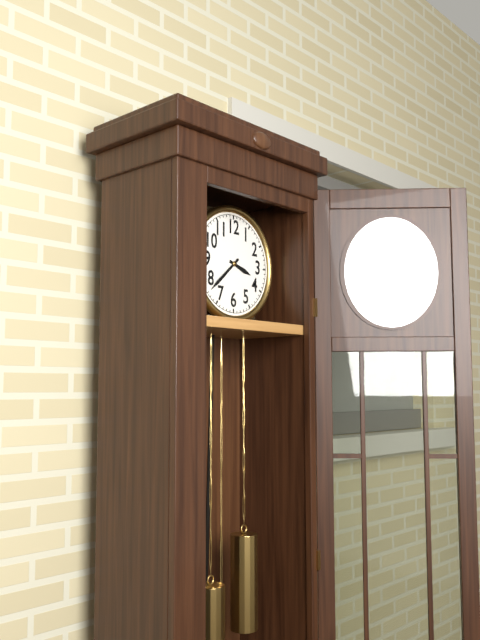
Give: 3h38
